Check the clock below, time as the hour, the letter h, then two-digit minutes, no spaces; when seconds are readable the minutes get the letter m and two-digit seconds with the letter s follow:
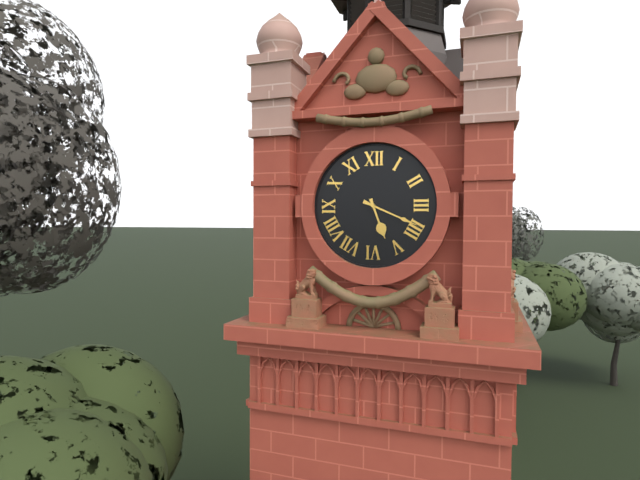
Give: 5h19
